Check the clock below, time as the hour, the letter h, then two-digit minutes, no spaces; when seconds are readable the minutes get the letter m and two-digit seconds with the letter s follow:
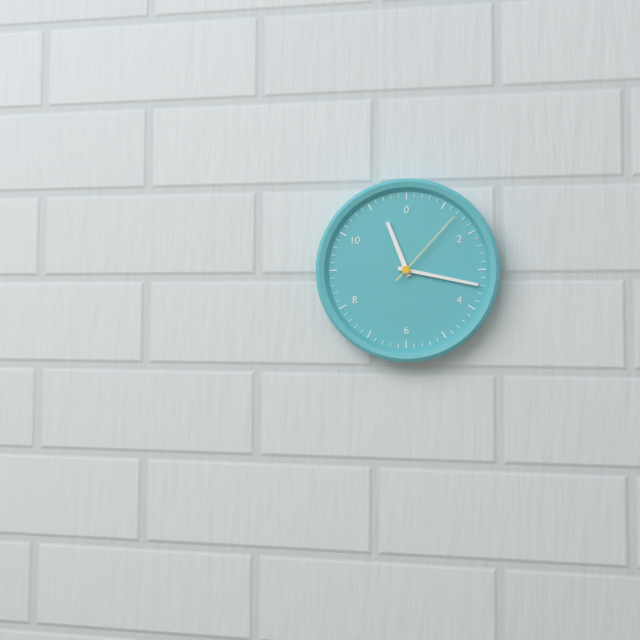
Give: 11h17m07s
